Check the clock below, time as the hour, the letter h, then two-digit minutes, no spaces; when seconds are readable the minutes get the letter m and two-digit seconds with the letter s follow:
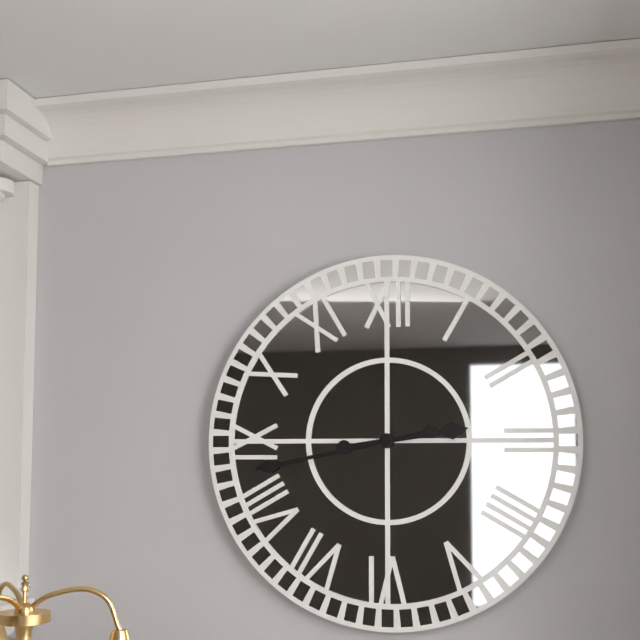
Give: 2h43
